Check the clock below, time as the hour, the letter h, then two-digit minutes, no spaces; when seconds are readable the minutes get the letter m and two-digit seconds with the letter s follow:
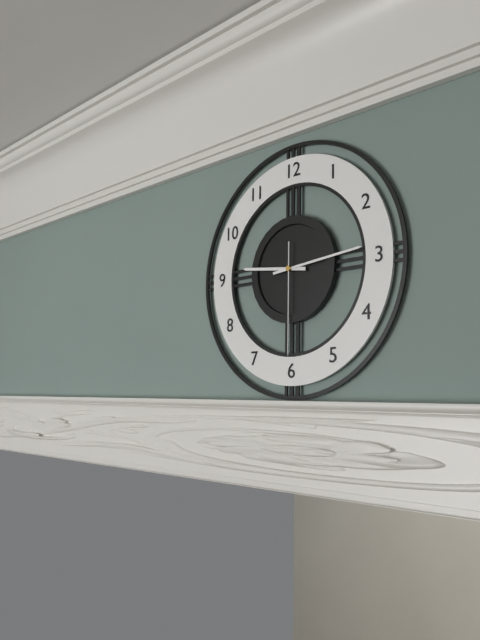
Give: 9h14m30s
